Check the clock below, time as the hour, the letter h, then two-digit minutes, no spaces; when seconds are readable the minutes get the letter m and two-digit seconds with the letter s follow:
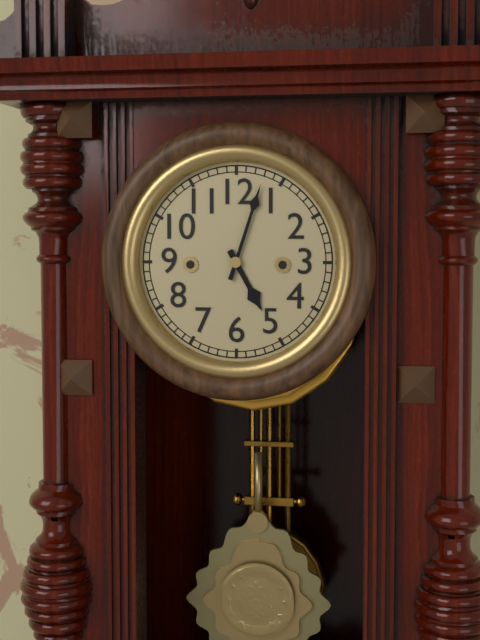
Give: 5h03
